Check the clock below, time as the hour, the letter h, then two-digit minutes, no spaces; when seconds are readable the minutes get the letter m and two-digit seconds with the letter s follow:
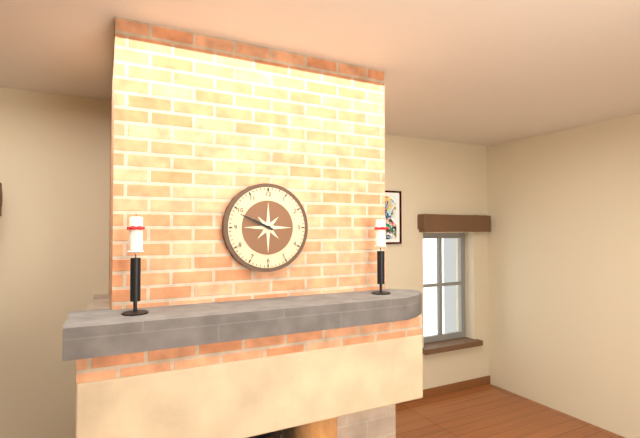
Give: 9h49
